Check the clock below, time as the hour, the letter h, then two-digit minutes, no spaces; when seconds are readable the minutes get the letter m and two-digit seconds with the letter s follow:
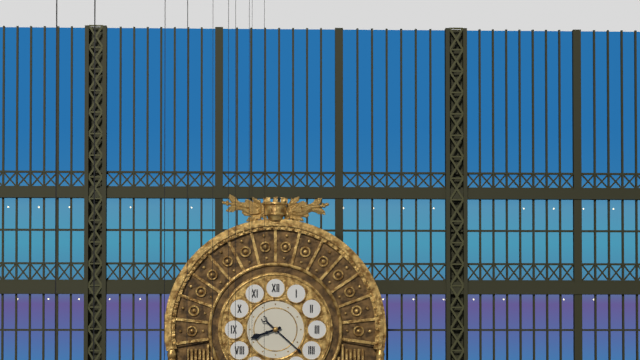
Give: 8h22
